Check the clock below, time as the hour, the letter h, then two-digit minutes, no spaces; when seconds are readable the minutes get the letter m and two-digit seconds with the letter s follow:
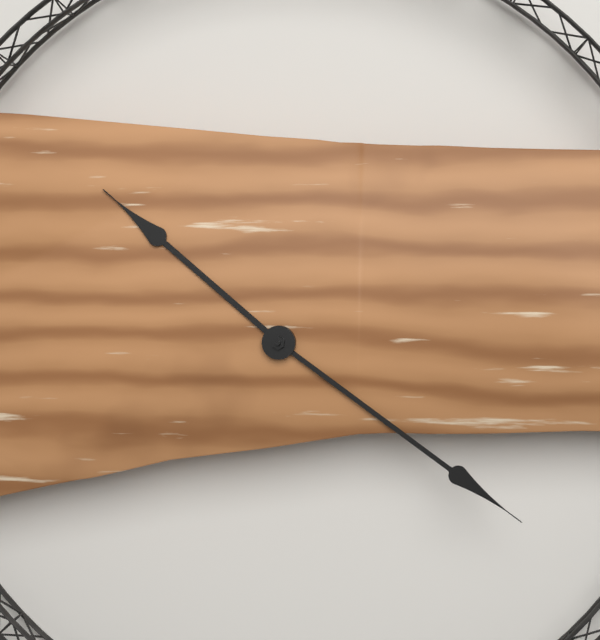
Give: 10h21
